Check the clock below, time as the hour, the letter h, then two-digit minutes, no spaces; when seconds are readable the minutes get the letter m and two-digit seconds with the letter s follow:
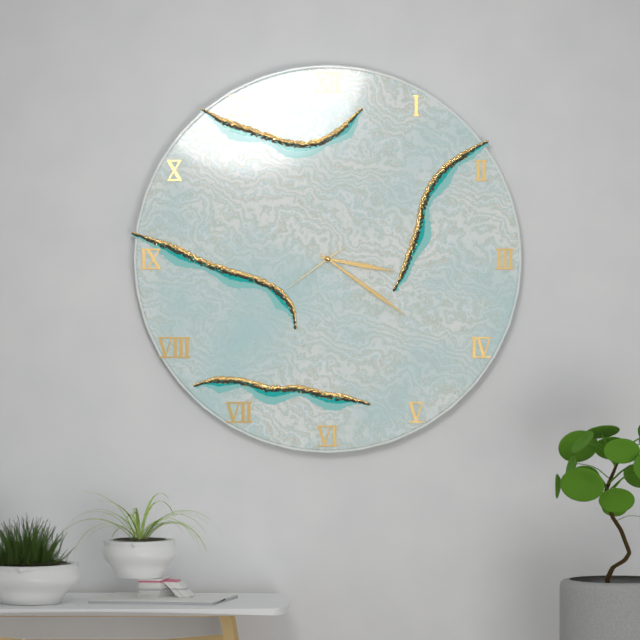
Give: 3h21m39s
